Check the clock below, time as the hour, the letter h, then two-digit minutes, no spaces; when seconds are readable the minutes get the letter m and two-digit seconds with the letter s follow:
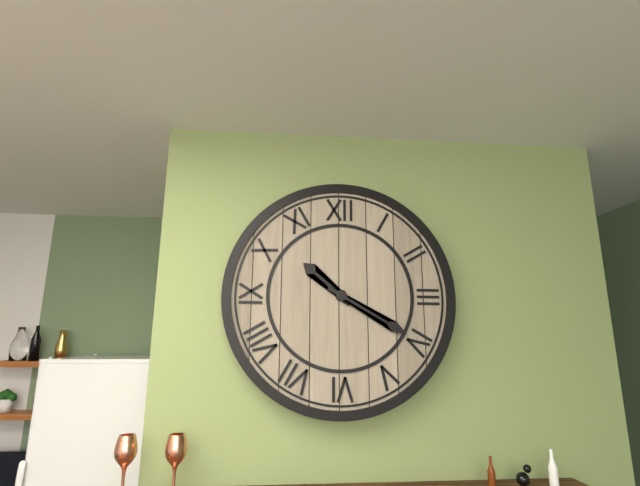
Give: 10h20
